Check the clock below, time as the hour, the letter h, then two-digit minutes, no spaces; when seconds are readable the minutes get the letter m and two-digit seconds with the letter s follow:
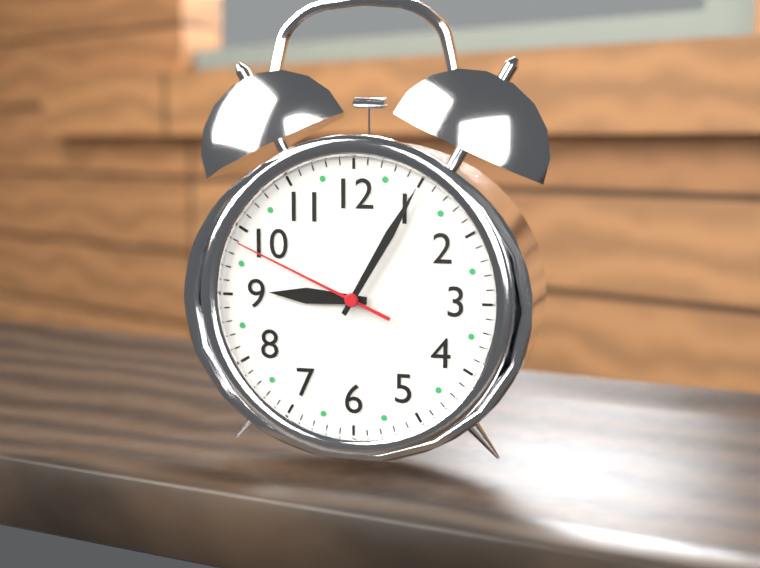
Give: 9h05m49s
